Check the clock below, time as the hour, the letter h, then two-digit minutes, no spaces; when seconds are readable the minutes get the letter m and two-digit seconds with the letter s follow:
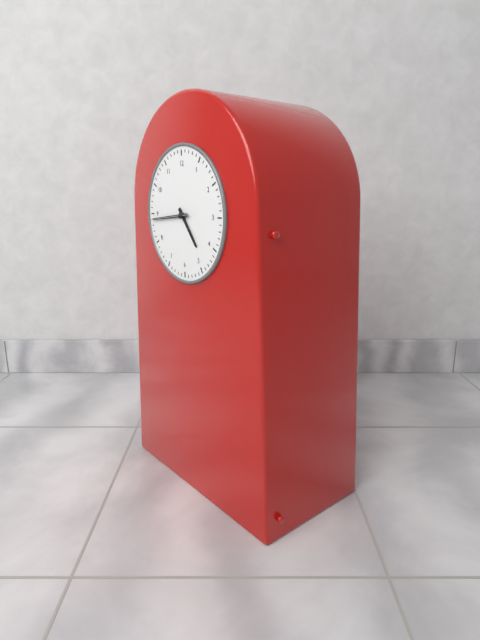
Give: 4h44
